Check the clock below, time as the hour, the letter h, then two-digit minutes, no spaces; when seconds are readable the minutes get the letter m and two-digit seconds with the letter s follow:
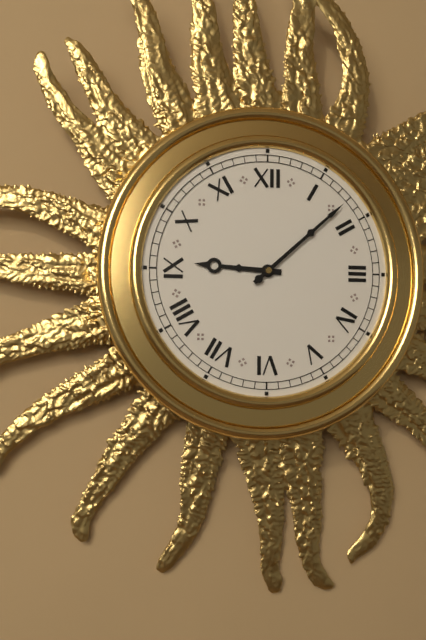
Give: 9h08
